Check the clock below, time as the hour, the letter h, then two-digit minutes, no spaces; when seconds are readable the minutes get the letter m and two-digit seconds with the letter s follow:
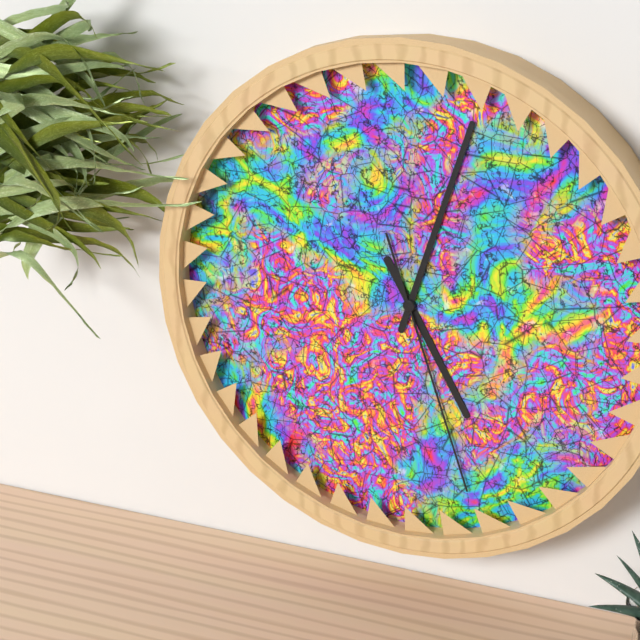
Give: 5h03m27s
